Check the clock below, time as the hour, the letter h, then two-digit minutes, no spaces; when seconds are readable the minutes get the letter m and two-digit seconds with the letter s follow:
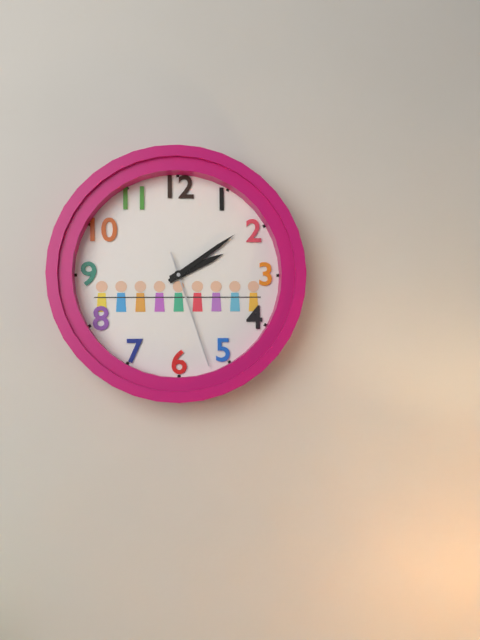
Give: 2h09m27s
